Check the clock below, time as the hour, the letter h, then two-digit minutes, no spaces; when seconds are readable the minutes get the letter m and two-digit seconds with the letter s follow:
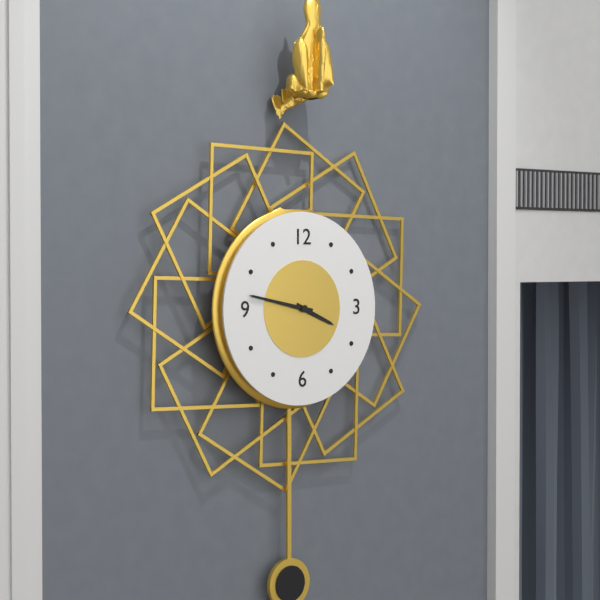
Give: 3h47
